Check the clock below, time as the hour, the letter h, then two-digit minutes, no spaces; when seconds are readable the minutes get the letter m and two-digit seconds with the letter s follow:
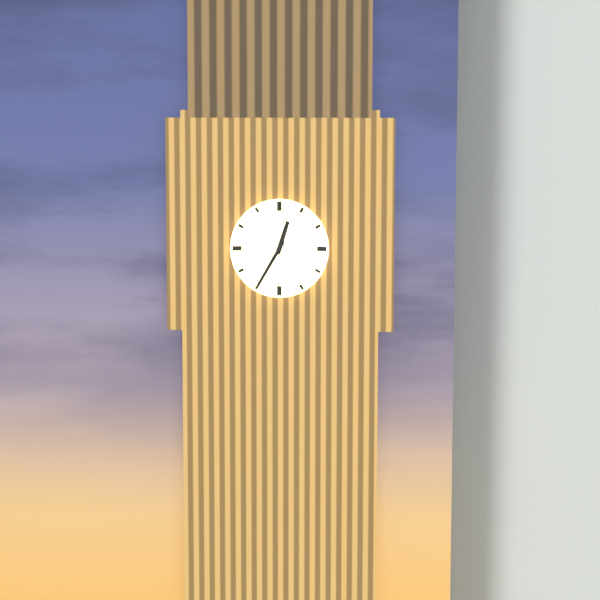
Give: 12h35
